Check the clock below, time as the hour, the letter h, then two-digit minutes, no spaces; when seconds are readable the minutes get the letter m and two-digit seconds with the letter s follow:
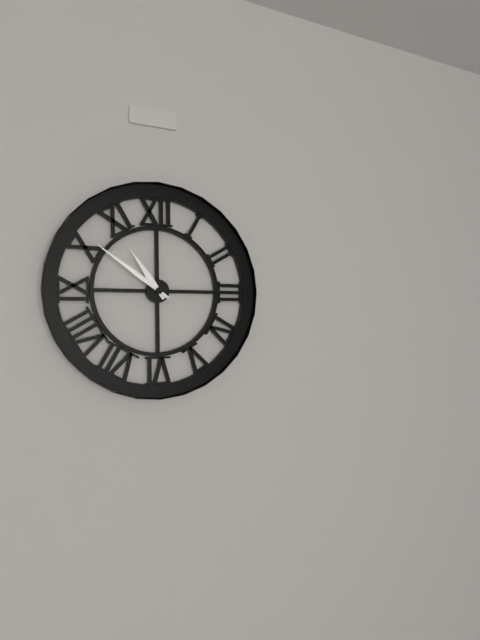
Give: 10h51
